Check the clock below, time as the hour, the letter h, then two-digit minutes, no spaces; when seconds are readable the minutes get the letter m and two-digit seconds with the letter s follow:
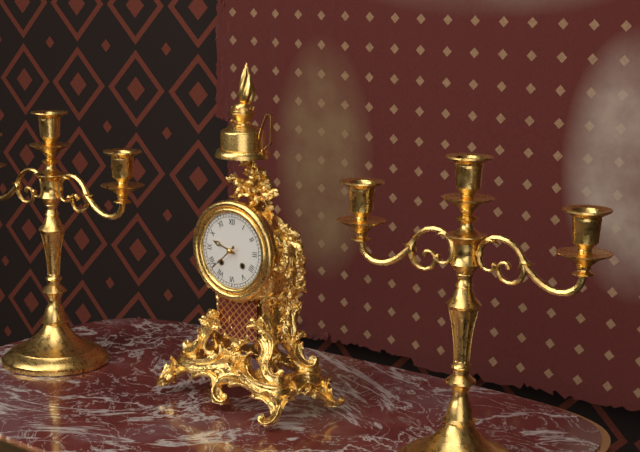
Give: 9h38
